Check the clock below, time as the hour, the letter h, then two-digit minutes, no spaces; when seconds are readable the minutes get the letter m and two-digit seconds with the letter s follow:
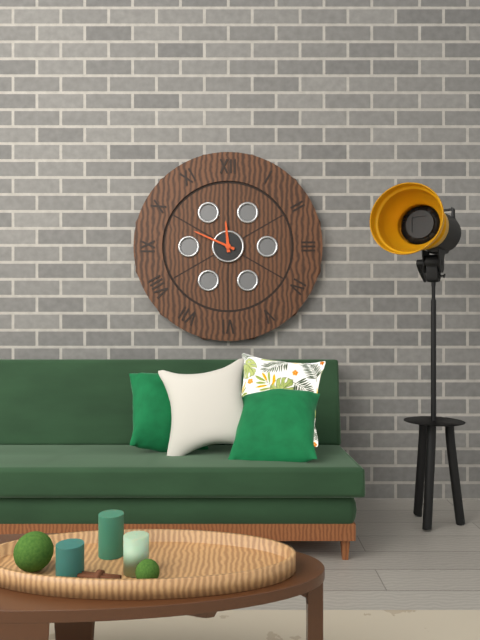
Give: 11h49
